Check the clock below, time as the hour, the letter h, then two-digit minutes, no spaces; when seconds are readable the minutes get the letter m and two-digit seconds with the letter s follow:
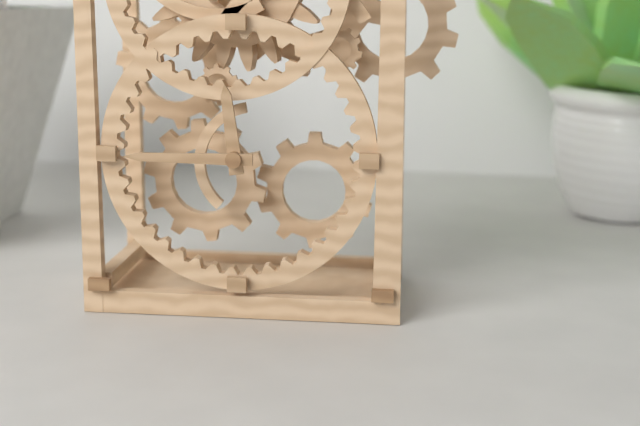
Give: 11h45
